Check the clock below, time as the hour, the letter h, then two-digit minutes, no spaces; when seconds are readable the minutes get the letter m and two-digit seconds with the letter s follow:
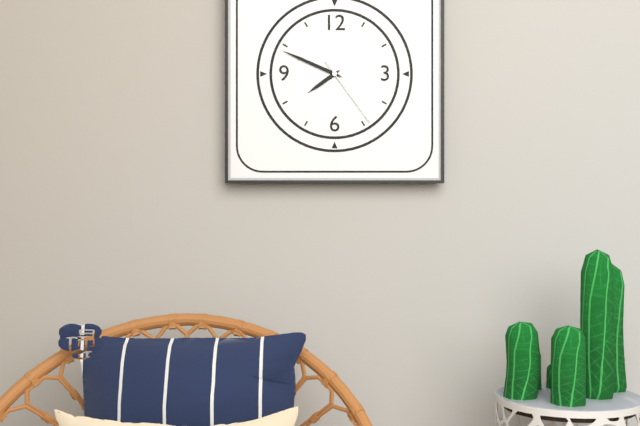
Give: 7h49m24s
